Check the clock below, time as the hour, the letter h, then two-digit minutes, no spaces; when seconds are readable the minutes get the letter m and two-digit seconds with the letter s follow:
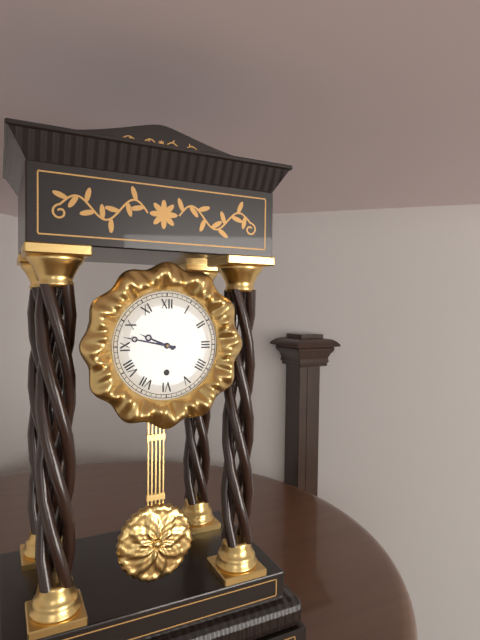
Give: 9h47
